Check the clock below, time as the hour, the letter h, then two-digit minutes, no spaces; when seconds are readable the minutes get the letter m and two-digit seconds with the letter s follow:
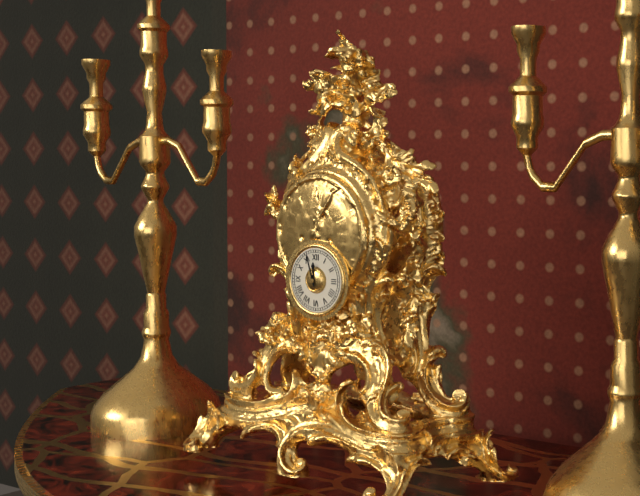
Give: 11h57
